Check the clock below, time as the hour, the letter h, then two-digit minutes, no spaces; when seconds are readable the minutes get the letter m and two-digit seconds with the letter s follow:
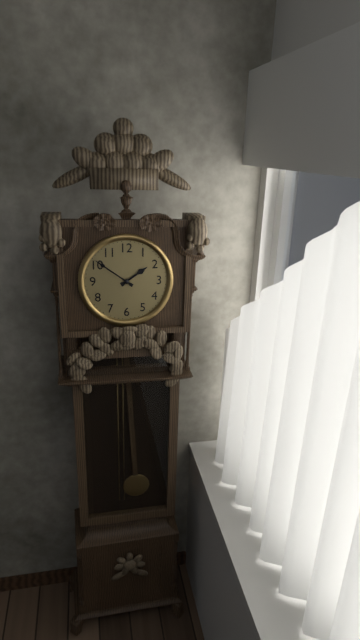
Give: 1h51
